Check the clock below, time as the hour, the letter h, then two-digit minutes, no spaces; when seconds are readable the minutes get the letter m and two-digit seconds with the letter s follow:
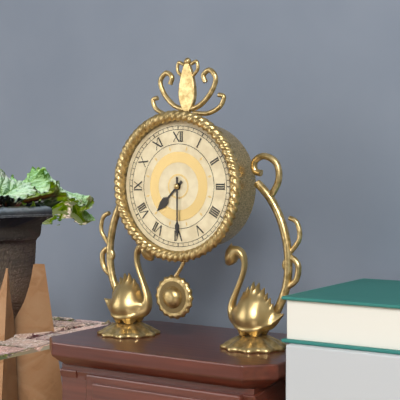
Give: 7h30
